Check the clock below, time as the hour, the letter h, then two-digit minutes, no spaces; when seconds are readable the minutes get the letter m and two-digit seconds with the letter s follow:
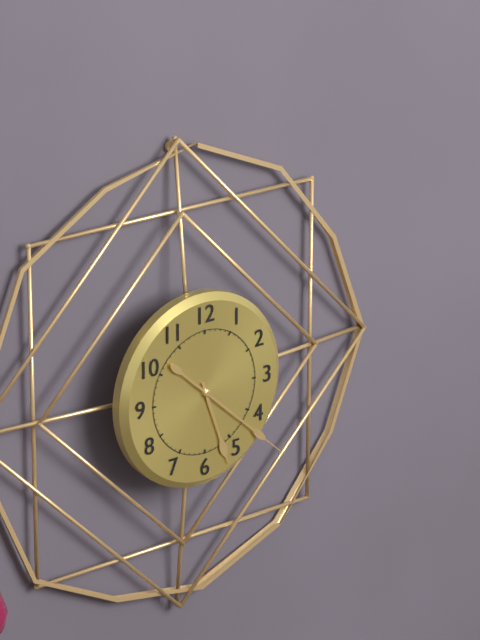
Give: 5h22
